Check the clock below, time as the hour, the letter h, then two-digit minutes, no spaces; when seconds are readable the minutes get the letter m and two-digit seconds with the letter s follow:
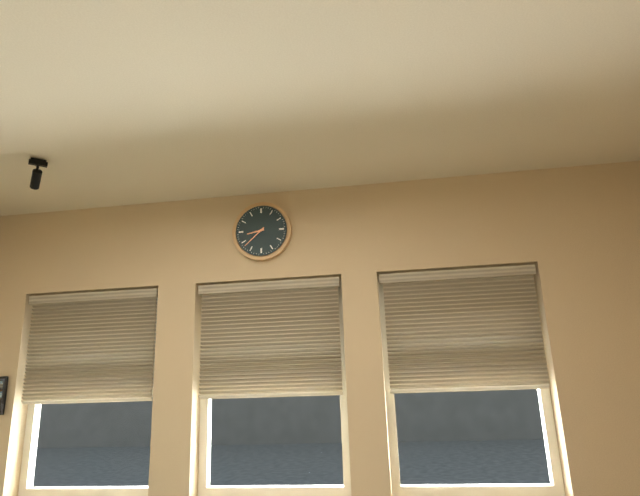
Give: 8h38
